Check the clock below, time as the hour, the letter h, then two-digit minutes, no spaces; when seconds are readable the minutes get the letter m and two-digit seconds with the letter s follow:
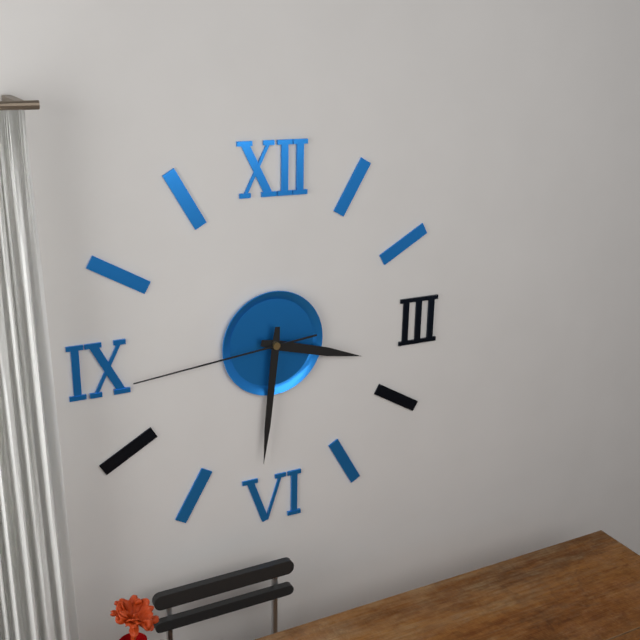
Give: 3h31m44s
